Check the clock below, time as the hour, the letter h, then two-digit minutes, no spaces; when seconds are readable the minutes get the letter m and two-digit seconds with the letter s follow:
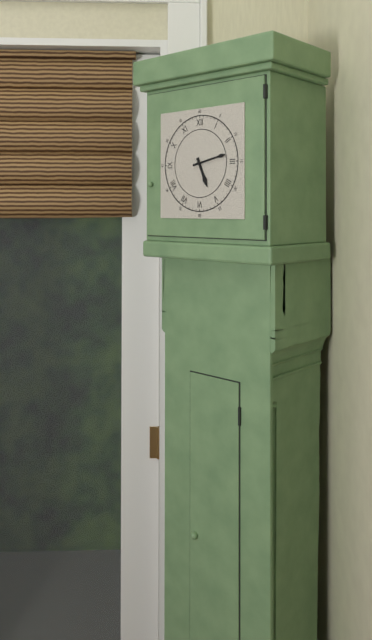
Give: 5h13
